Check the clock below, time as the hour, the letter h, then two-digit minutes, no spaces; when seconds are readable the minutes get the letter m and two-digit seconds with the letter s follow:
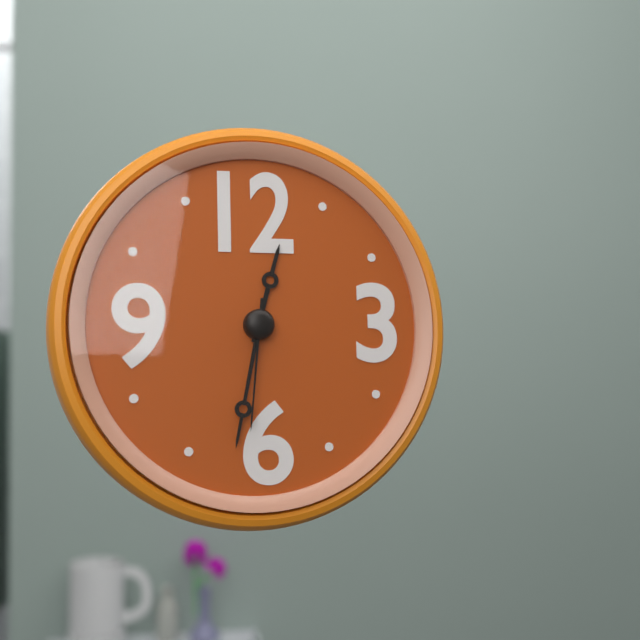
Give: 12h32m31s
